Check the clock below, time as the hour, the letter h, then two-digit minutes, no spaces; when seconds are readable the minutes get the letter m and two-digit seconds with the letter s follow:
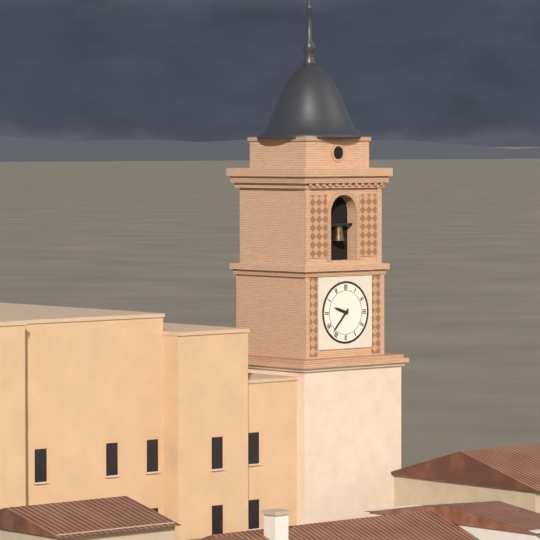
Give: 9h37
